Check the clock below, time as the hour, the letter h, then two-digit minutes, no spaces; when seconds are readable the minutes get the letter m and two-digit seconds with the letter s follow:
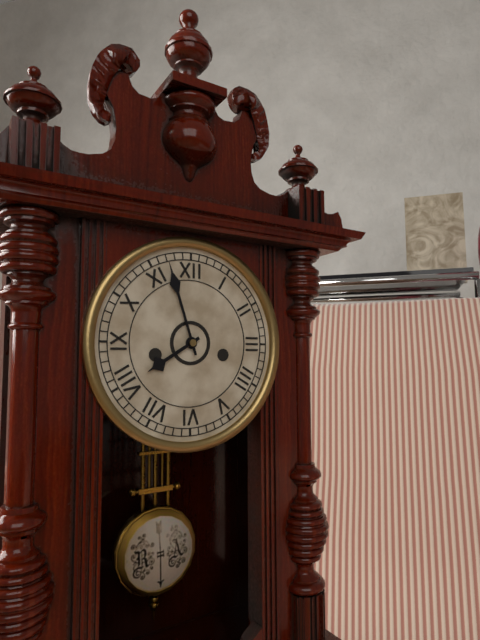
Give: 7h57
